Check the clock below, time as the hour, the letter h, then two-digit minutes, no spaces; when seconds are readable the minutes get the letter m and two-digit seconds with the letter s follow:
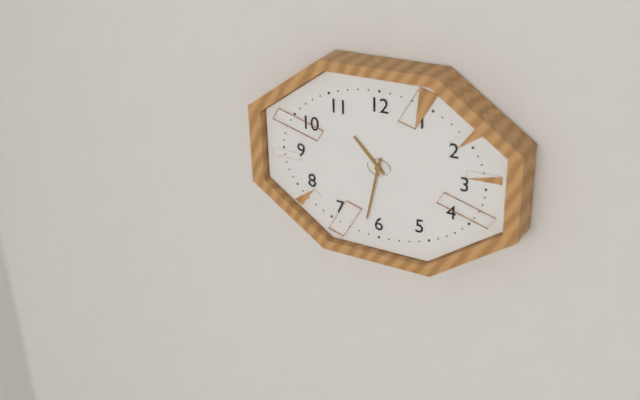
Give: 10h32
